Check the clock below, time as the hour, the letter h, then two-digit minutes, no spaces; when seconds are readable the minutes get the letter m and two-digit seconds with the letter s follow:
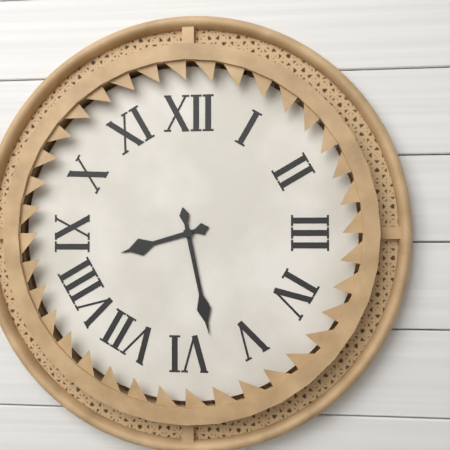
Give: 8h28
